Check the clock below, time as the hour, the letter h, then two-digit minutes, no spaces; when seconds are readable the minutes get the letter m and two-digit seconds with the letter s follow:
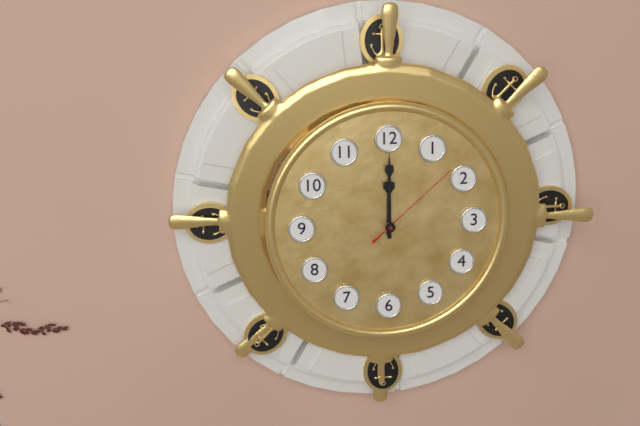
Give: 12h00m08s
